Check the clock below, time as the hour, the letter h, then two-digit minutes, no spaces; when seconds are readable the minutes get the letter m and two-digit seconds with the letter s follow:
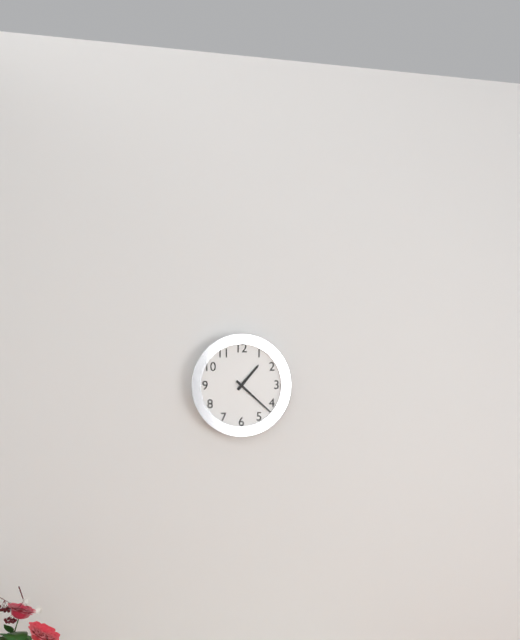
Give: 1h22
